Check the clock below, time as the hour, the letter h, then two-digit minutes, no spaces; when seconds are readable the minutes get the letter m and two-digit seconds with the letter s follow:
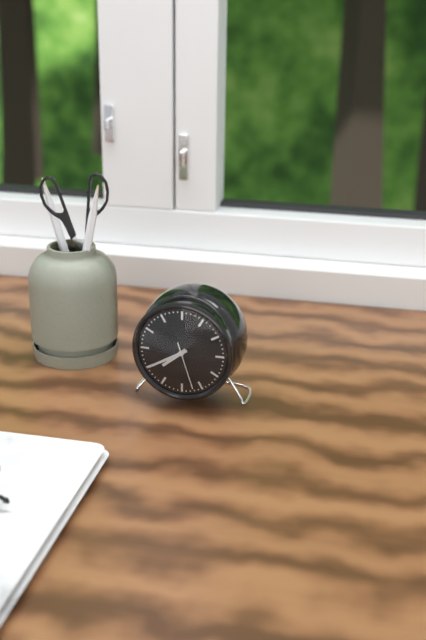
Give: 7h40
